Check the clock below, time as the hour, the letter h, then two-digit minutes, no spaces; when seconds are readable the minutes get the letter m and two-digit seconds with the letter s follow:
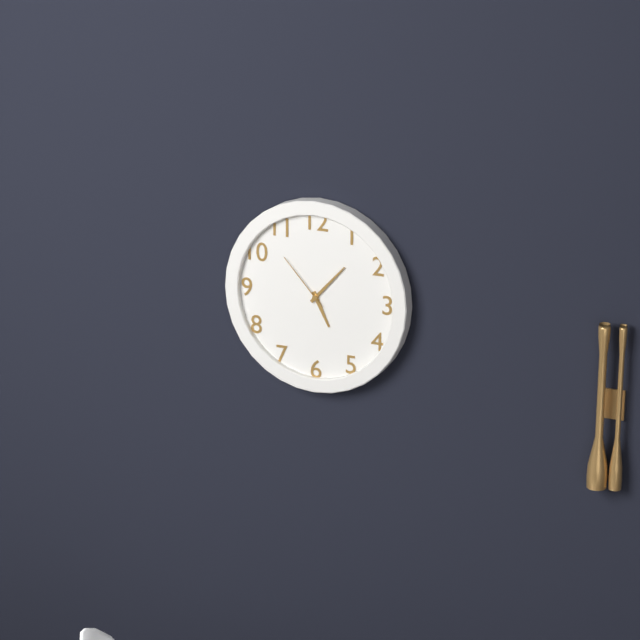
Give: 5h07m53s
